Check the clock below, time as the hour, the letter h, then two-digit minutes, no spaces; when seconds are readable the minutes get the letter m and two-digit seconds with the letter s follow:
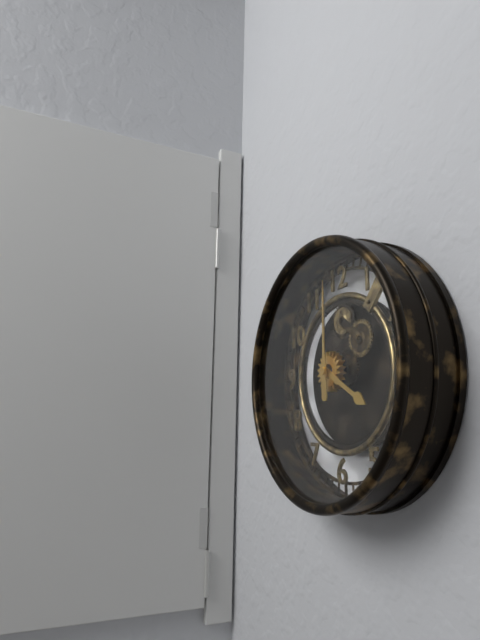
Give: 4h00
